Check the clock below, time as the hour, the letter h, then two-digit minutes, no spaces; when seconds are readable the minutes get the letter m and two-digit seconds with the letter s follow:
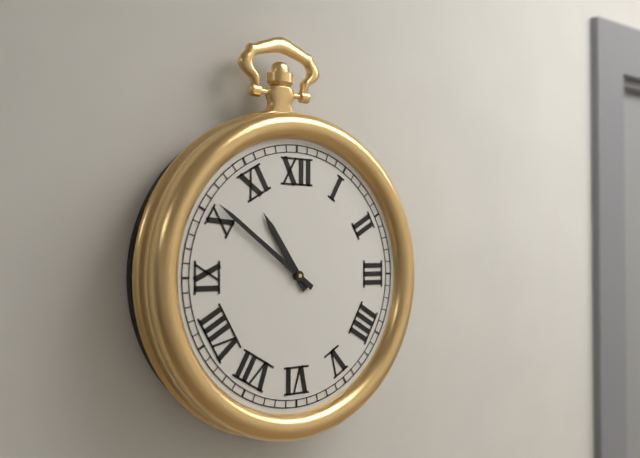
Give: 10h51
